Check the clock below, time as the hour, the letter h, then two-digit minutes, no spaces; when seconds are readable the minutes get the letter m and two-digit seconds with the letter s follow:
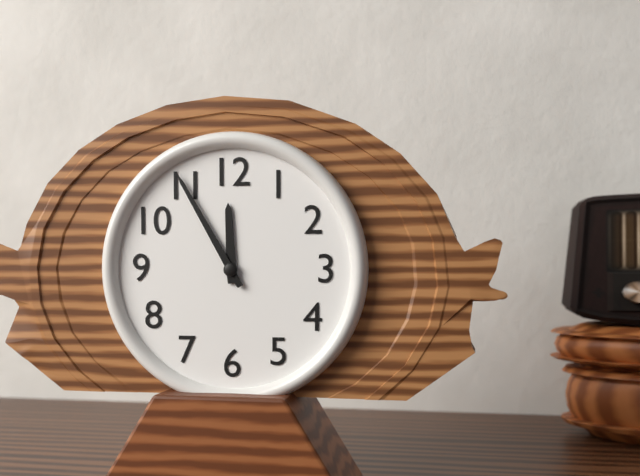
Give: 11h55
